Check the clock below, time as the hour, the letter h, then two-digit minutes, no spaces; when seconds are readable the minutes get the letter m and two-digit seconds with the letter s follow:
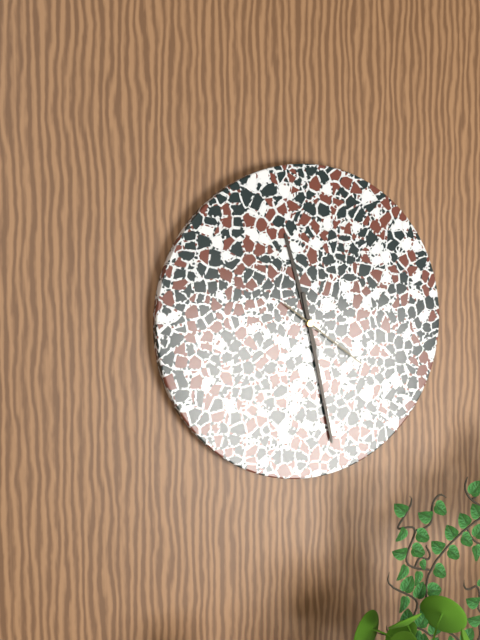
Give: 11h28m21s
